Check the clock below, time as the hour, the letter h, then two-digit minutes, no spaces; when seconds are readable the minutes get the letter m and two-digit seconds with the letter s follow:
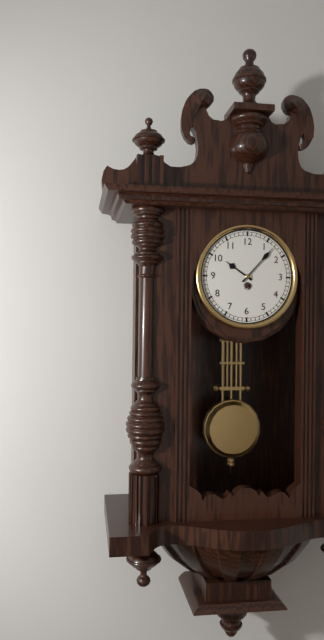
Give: 10h07
